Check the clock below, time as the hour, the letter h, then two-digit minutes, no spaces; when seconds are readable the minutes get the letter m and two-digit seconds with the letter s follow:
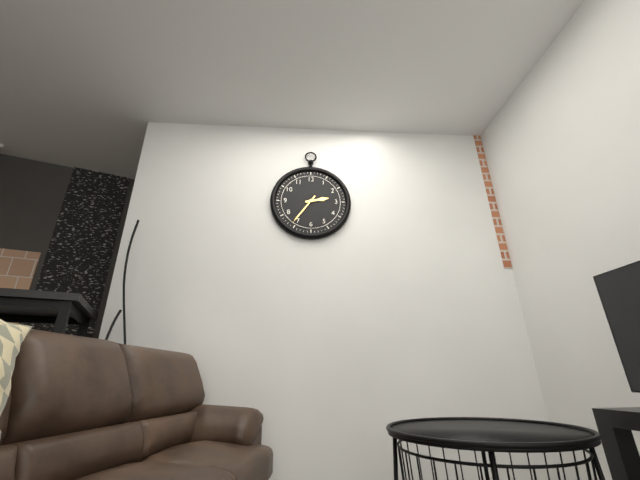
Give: 2h36
